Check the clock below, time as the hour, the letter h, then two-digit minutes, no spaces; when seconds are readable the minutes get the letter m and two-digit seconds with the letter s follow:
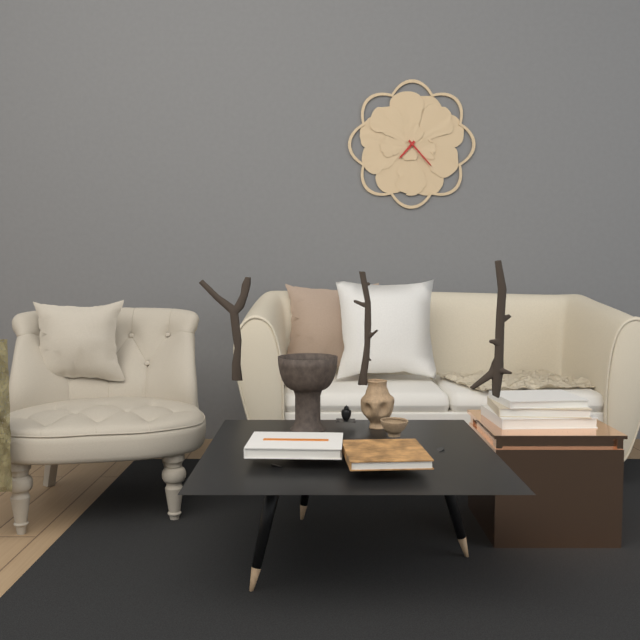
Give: 7h23
